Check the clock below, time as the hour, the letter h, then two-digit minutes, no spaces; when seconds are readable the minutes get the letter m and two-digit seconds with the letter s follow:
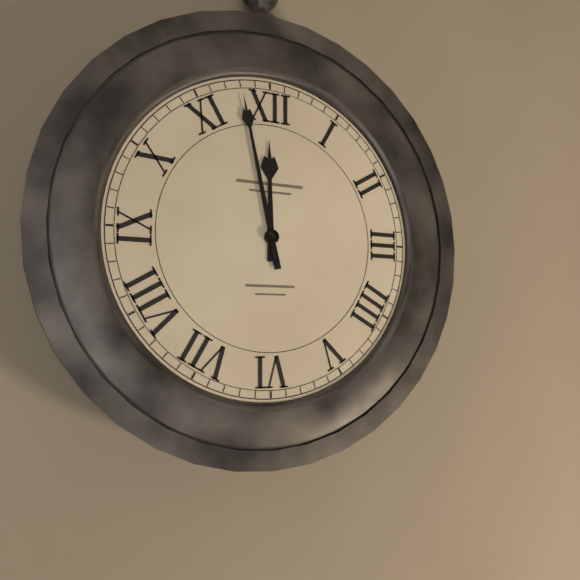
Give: 11h58
